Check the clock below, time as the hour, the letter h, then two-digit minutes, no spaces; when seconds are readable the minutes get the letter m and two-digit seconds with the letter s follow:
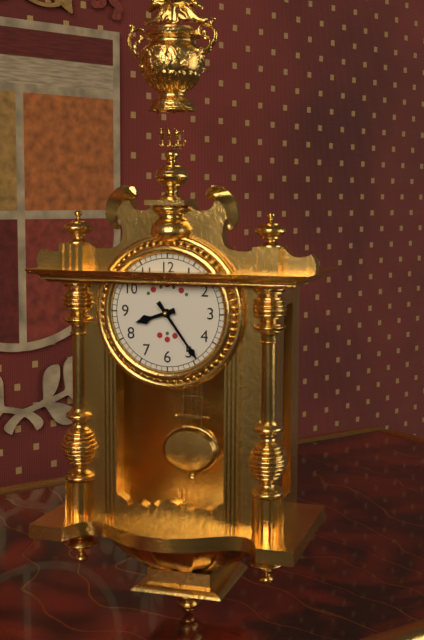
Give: 8h24
